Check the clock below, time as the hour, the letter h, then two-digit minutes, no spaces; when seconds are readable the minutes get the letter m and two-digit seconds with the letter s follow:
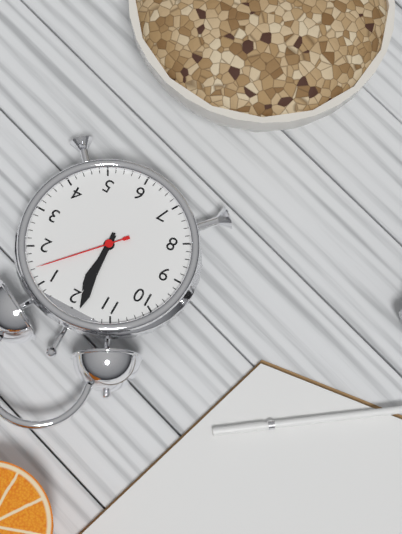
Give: 11h59m07s
